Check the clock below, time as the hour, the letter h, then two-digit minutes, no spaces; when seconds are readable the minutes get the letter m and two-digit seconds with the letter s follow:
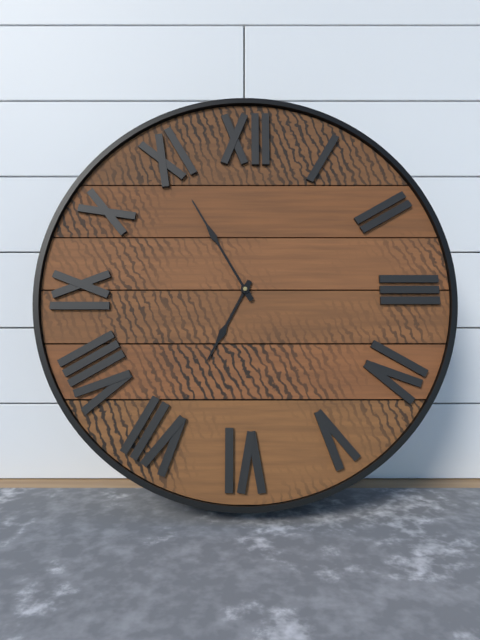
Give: 6h55
